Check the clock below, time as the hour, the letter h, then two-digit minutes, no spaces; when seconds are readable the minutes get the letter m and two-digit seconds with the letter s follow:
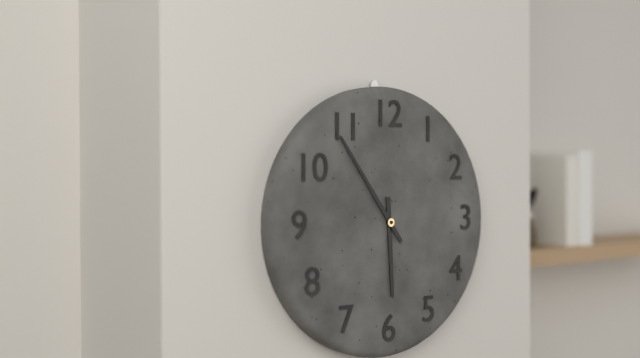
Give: 5h54
